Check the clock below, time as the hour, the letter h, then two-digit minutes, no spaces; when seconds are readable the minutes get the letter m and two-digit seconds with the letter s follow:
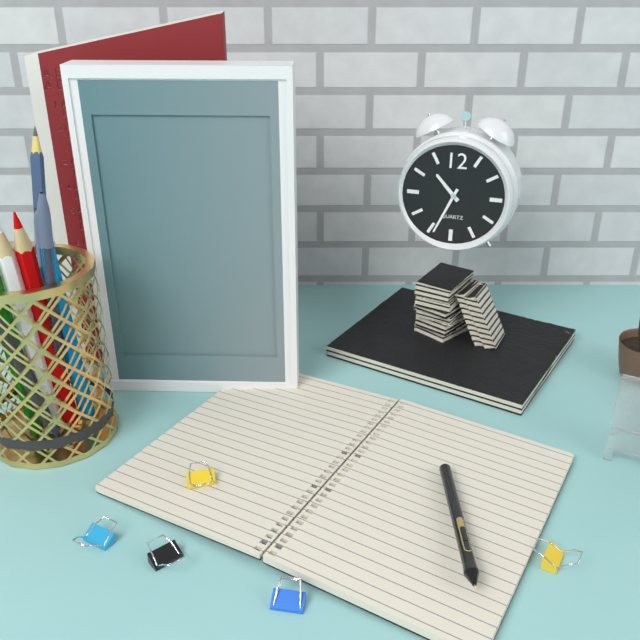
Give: 10h34
